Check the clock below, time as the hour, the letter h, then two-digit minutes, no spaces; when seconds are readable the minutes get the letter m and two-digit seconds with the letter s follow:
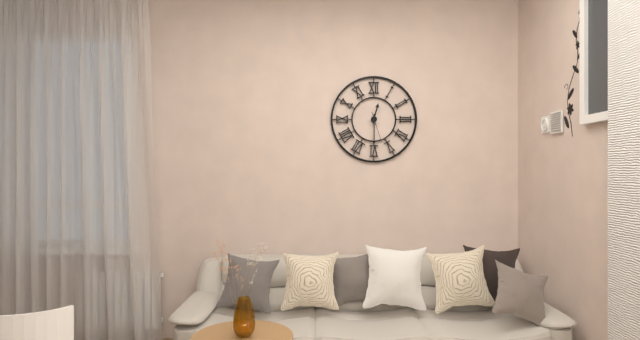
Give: 12h30
